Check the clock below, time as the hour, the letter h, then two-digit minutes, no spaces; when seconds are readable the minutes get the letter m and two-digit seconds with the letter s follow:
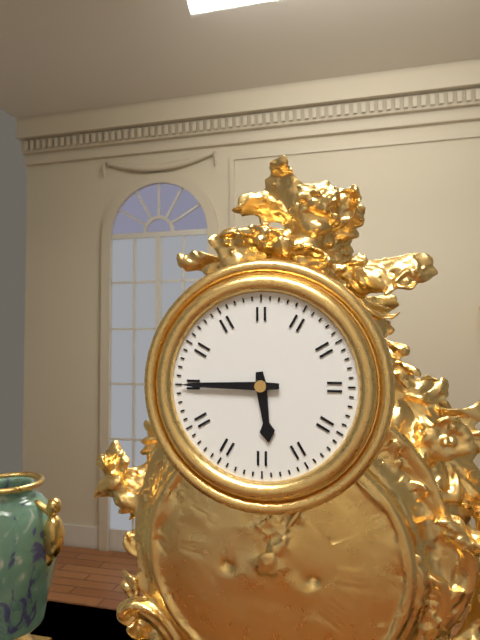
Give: 5h45
